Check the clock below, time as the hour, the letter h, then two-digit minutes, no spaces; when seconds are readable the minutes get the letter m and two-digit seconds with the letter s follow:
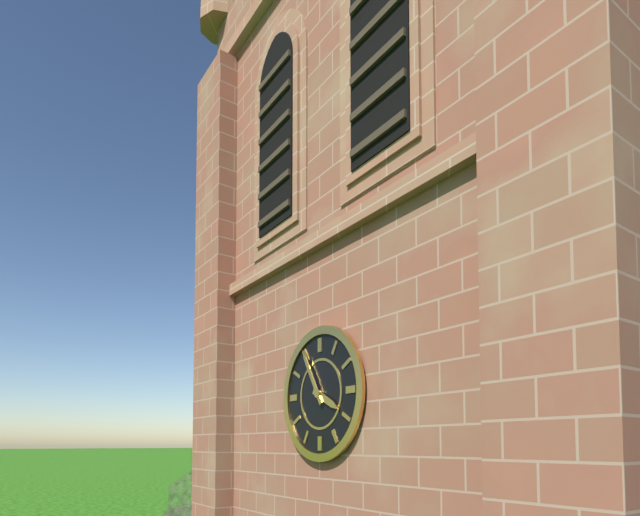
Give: 3h55
